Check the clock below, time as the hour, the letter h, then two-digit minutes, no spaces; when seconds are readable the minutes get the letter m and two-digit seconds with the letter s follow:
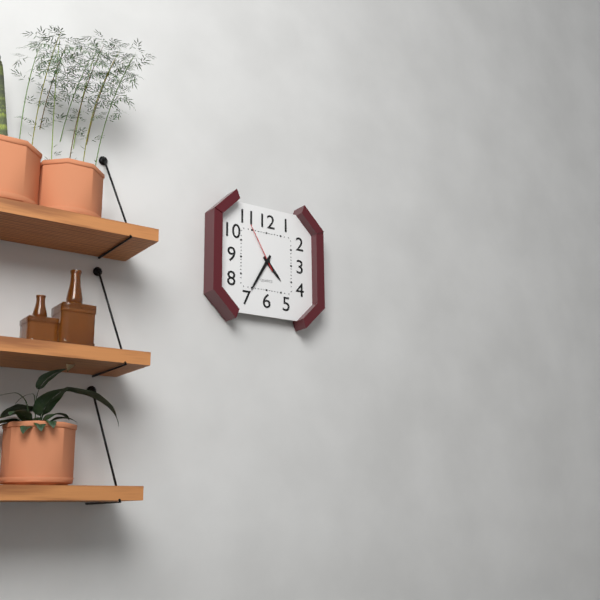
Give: 4h35m55s
